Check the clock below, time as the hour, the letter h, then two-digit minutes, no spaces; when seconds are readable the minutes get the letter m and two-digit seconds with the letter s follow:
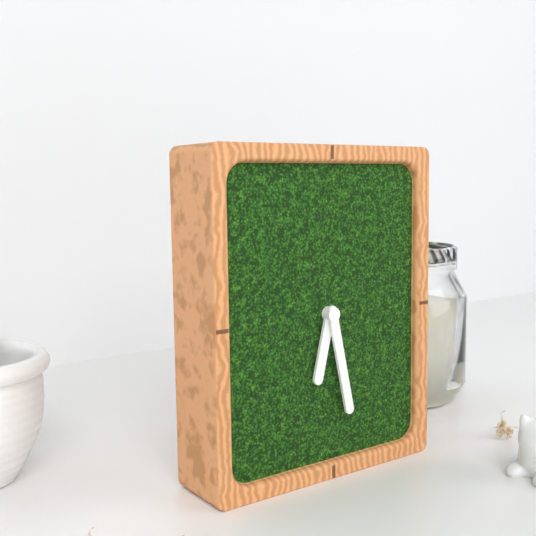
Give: 6h28
